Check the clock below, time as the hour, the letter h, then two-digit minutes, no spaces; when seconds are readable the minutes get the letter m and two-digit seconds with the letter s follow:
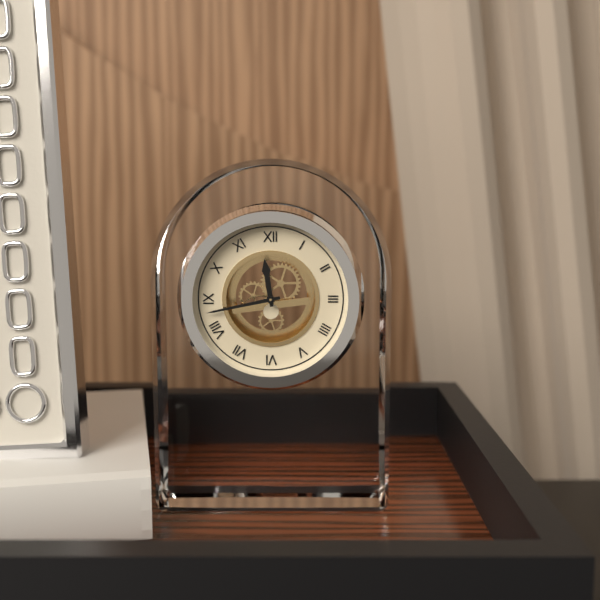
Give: 11h43
